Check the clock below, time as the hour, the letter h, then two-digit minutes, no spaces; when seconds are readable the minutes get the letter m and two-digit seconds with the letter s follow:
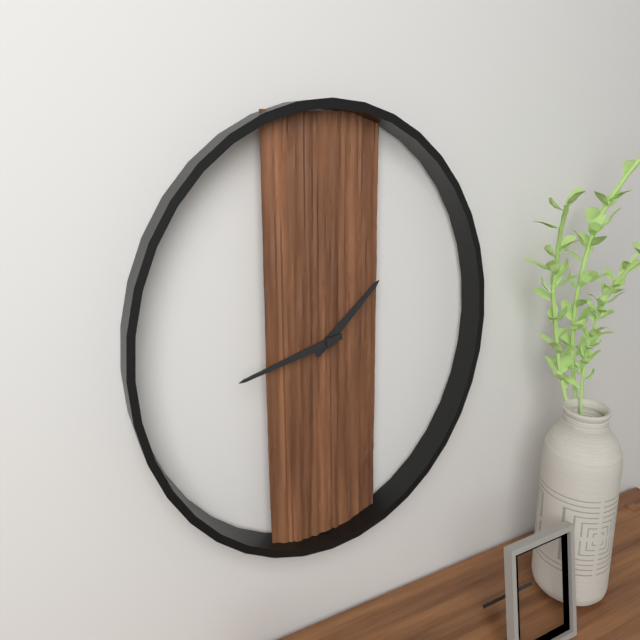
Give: 1h43
